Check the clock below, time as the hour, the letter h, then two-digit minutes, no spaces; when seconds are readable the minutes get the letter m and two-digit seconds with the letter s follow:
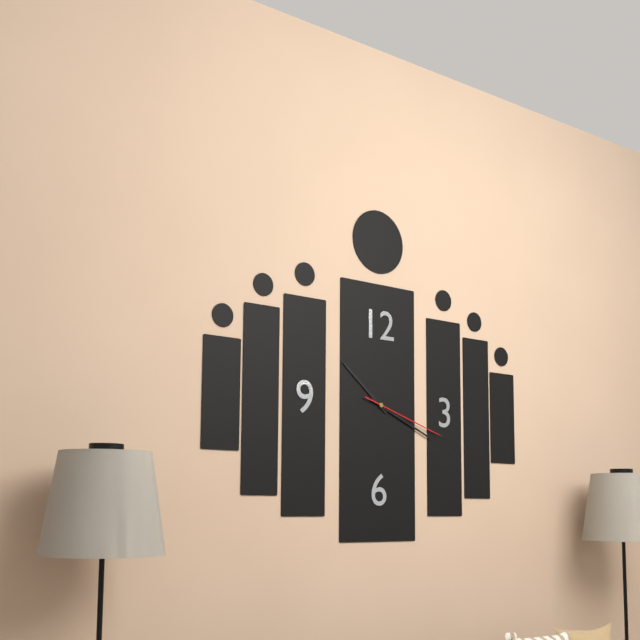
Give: 10h19m18s
